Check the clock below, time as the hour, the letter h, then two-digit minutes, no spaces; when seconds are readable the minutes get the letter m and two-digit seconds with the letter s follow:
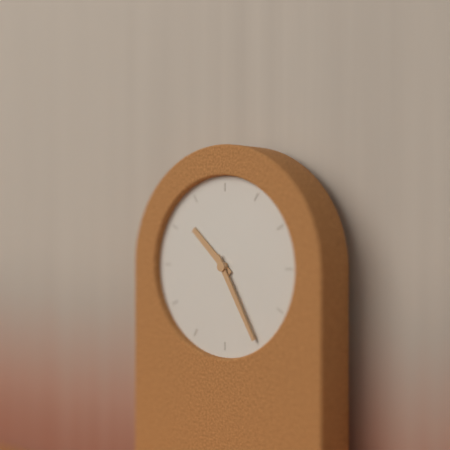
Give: 10h25
